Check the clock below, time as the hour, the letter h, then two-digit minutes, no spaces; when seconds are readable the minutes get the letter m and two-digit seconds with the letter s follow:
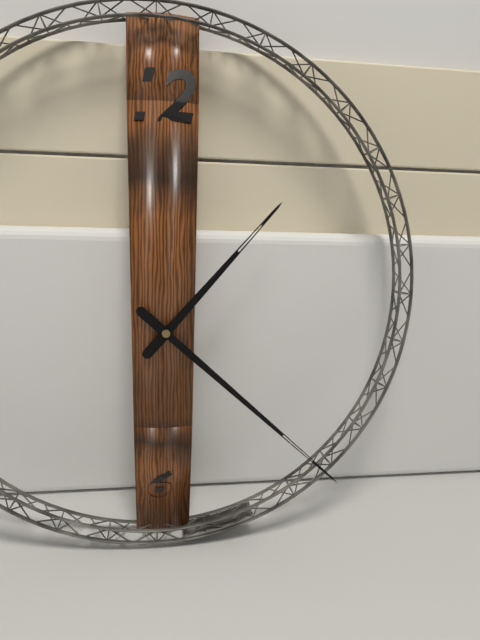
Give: 1h22
